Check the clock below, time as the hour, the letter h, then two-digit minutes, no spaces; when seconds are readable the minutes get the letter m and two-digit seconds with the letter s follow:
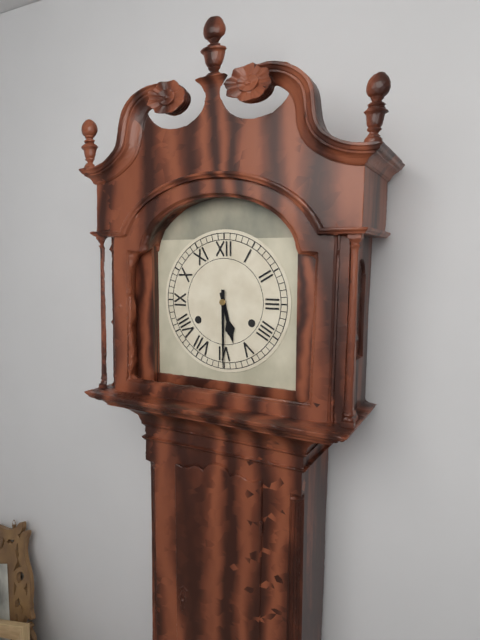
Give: 5h30
